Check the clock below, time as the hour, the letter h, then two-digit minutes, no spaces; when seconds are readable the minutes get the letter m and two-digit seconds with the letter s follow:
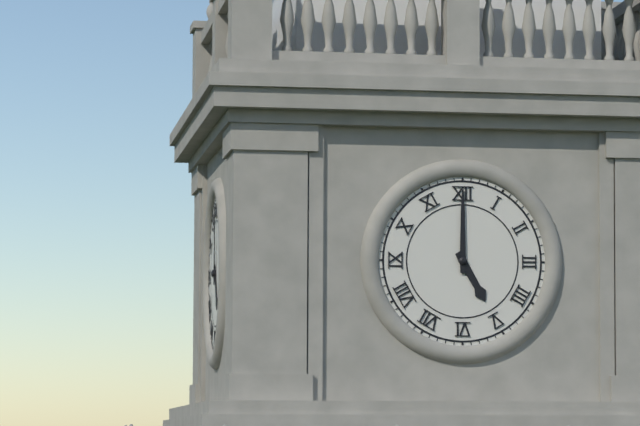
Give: 5h00
